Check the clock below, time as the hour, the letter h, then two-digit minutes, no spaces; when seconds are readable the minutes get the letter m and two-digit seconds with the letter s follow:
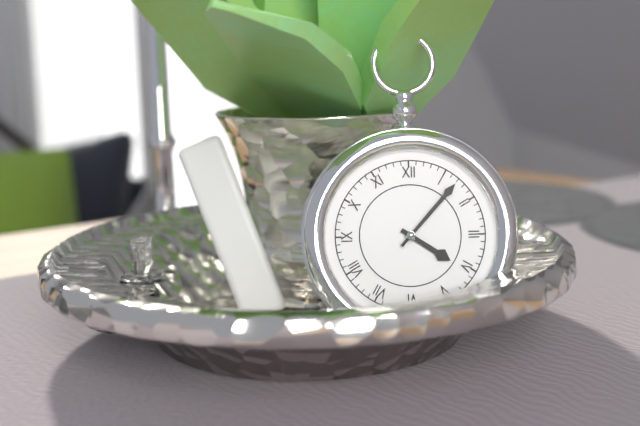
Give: 4h07
